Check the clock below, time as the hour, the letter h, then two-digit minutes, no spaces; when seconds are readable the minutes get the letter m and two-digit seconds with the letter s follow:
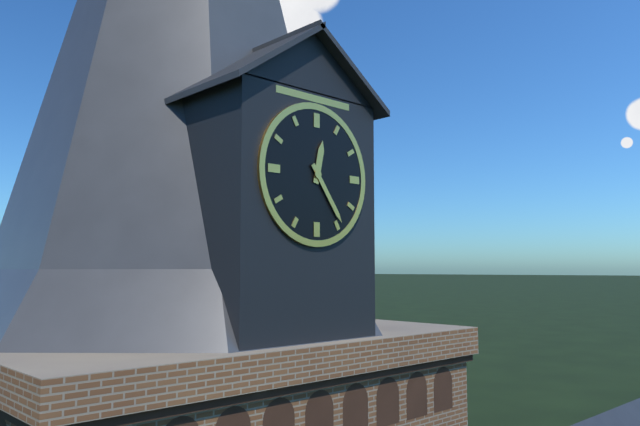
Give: 12h24
